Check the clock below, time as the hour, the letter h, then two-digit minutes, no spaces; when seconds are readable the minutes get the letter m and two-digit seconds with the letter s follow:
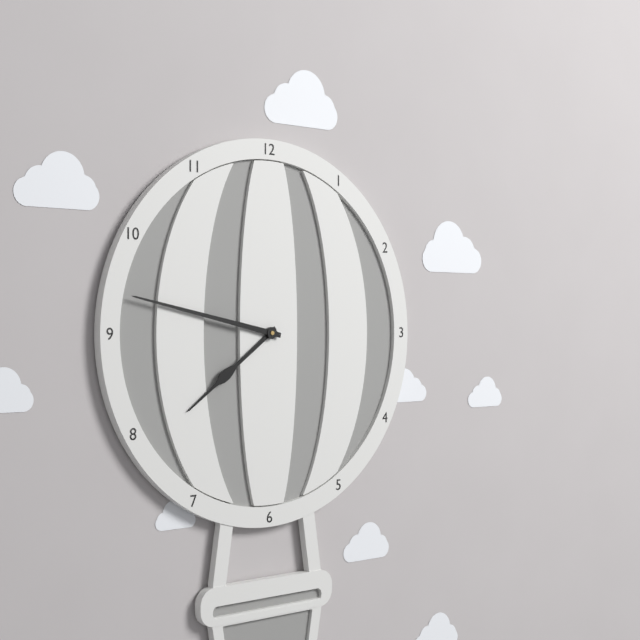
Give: 7h47
